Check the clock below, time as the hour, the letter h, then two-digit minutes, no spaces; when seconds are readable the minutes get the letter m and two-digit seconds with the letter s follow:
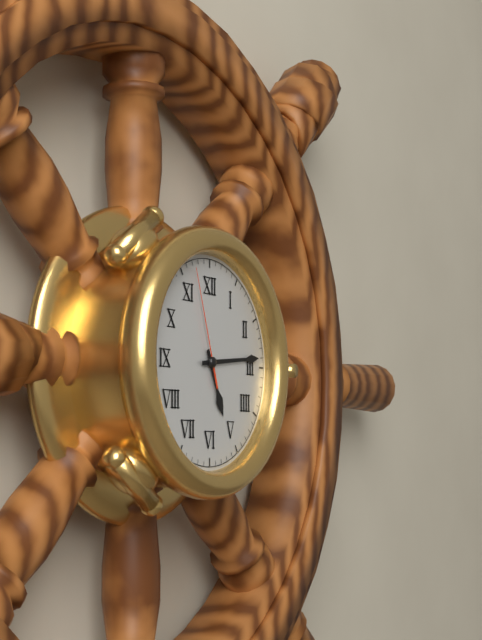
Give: 5h14m57s
